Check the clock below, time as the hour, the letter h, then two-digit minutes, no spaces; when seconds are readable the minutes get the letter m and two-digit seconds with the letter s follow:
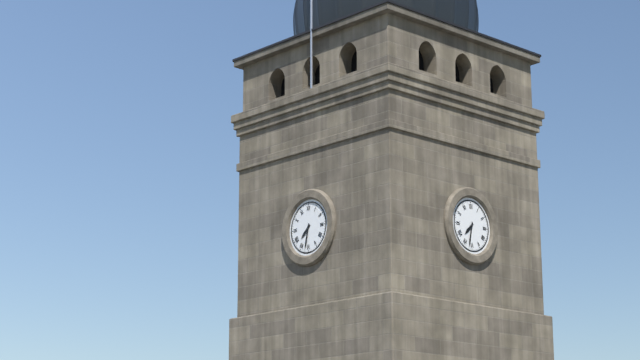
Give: 7h32
